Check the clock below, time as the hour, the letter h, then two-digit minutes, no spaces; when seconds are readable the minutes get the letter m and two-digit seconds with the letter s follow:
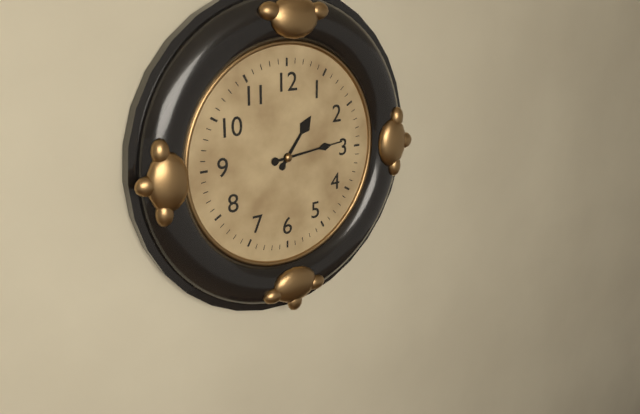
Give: 1h14
